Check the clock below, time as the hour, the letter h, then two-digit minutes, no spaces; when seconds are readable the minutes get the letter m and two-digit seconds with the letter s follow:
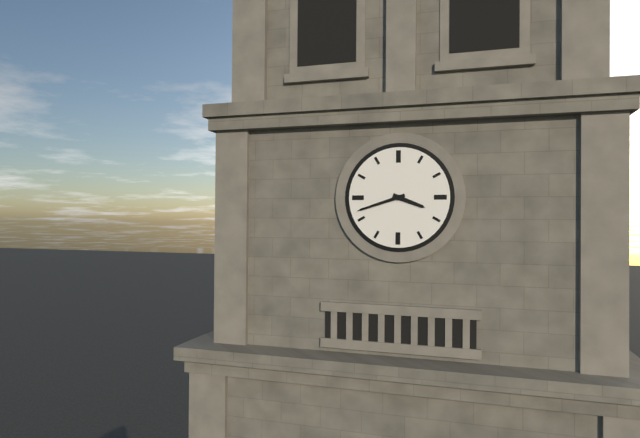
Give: 3h42
